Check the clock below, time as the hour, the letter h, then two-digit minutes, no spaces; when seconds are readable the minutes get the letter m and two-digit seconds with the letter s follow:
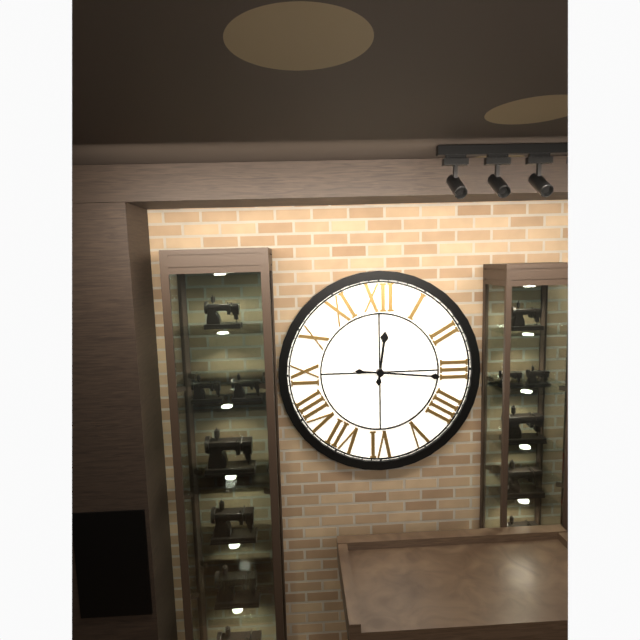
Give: 12h16
